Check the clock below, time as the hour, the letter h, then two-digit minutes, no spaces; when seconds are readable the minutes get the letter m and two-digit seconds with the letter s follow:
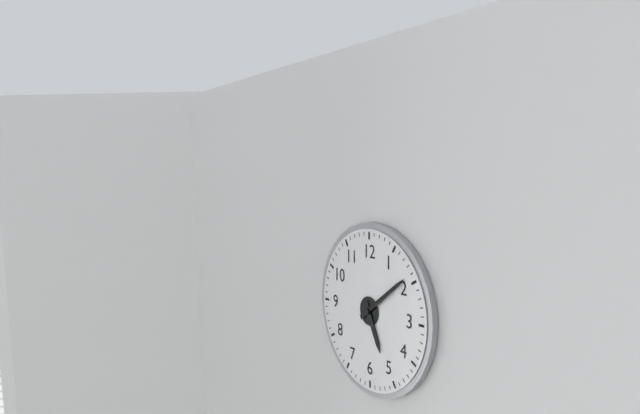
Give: 5h09
